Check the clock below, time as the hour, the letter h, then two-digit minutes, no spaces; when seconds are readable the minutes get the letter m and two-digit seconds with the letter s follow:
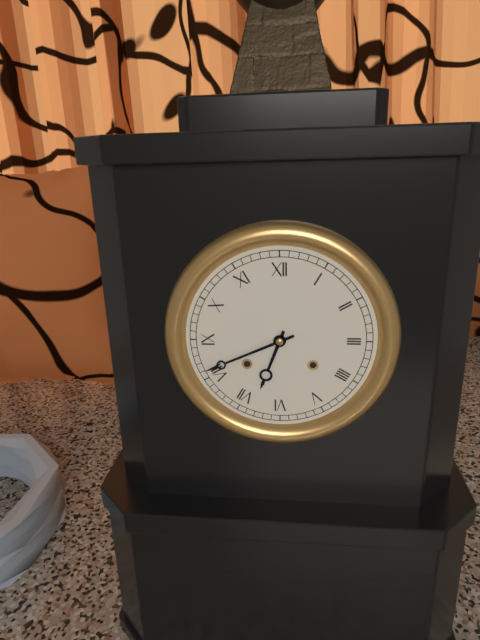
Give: 6h41
